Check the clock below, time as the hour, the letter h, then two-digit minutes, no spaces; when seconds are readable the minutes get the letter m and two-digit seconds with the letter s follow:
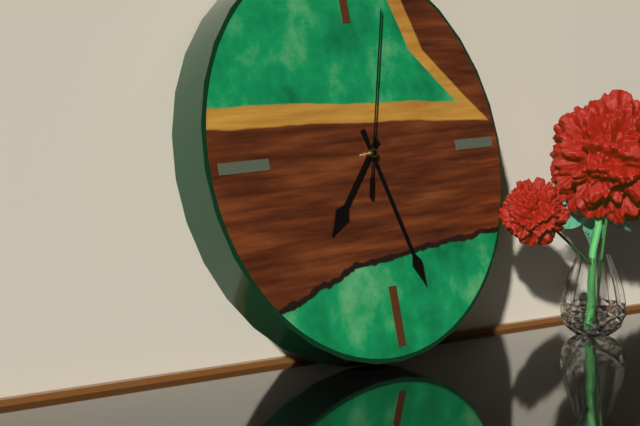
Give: 7h27m03s
